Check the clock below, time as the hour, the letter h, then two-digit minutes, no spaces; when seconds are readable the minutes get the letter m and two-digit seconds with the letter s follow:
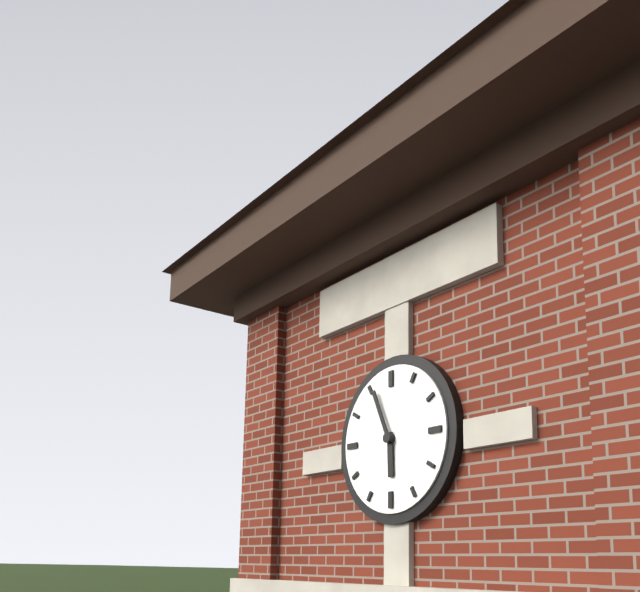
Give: 5h56
